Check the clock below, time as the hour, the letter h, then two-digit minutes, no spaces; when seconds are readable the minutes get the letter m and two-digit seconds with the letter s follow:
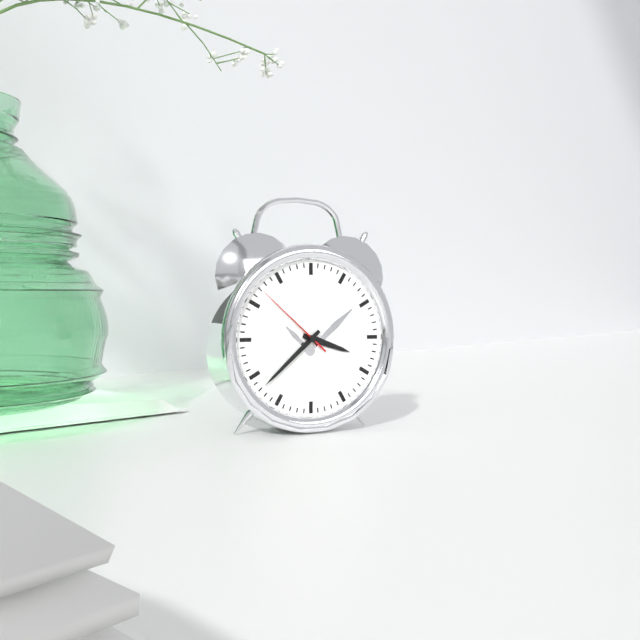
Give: 3h38m52s
